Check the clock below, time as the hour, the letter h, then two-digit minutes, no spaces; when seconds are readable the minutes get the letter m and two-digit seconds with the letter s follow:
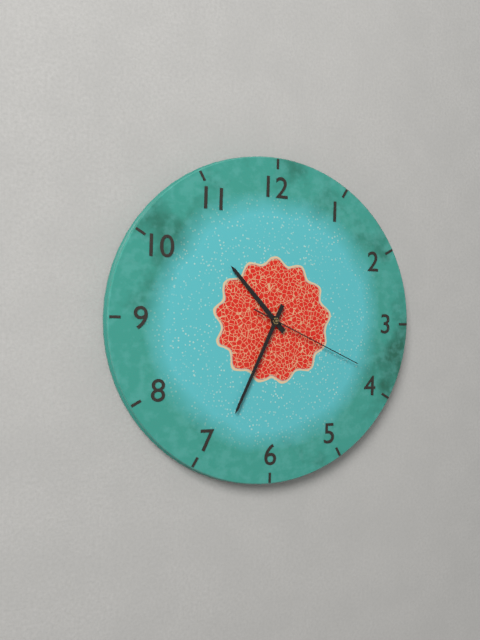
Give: 10h34m19s
